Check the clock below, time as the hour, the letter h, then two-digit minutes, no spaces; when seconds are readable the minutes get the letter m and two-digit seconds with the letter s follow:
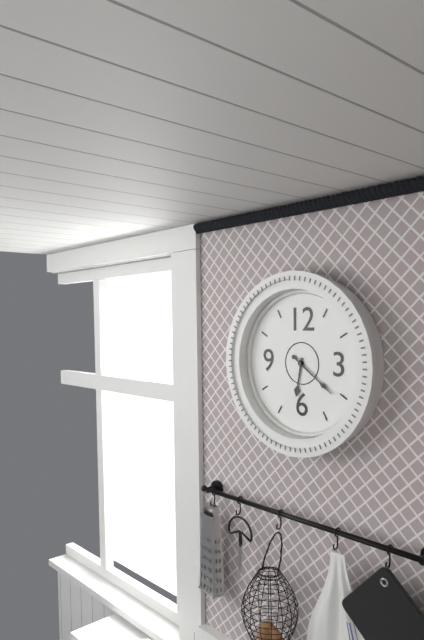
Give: 6h21
